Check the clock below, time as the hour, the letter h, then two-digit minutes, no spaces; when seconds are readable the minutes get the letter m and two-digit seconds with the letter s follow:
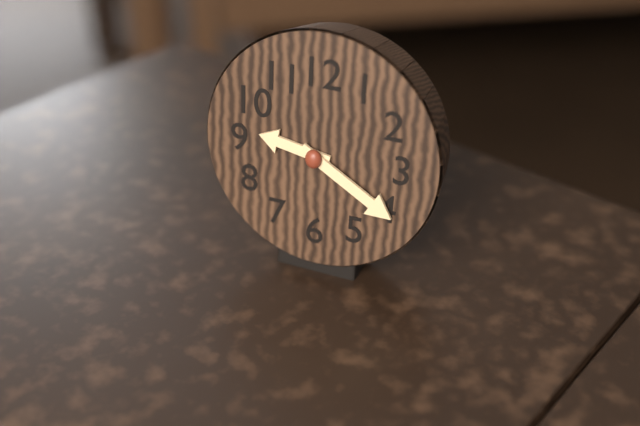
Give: 9h20
